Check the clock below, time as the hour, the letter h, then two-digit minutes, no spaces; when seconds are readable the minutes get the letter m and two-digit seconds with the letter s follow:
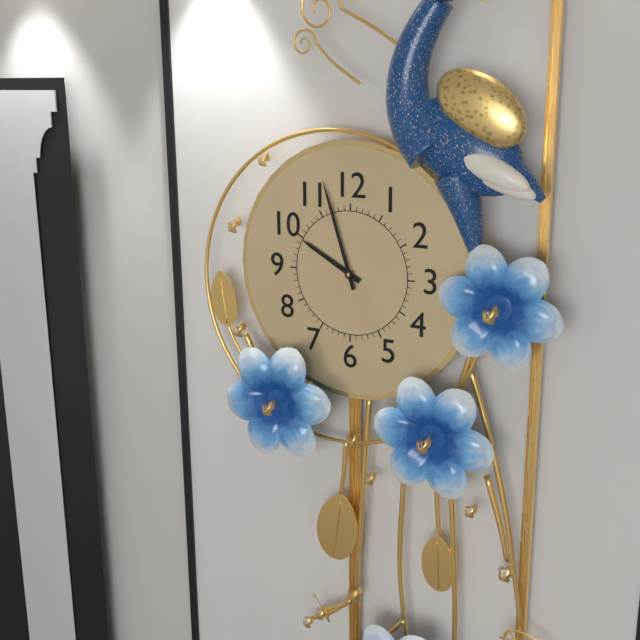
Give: 9h57
